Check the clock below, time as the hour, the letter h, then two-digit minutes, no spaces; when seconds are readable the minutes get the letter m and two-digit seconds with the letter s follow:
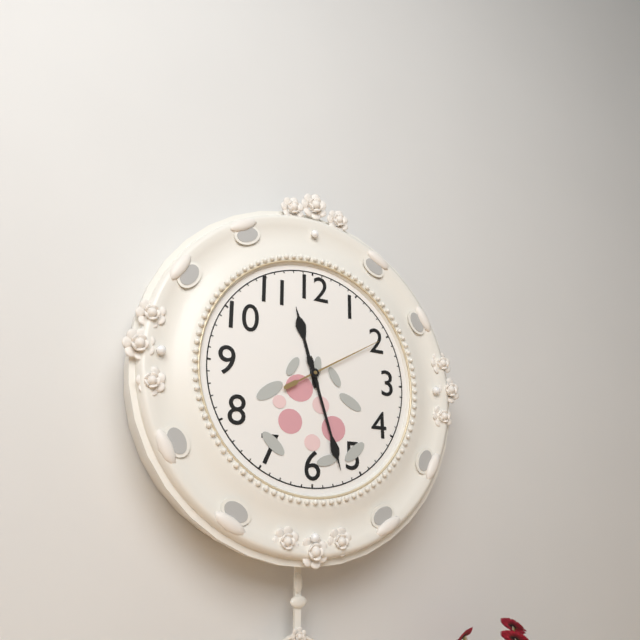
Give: 11h27m10s
